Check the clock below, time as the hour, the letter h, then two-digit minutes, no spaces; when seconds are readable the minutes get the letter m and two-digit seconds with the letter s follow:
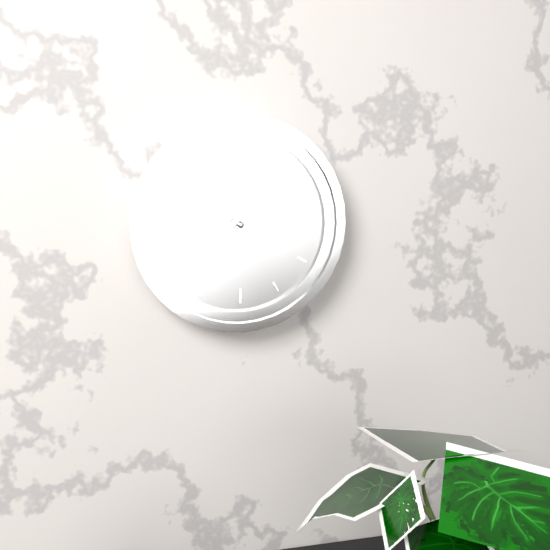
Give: 4h07m40s
